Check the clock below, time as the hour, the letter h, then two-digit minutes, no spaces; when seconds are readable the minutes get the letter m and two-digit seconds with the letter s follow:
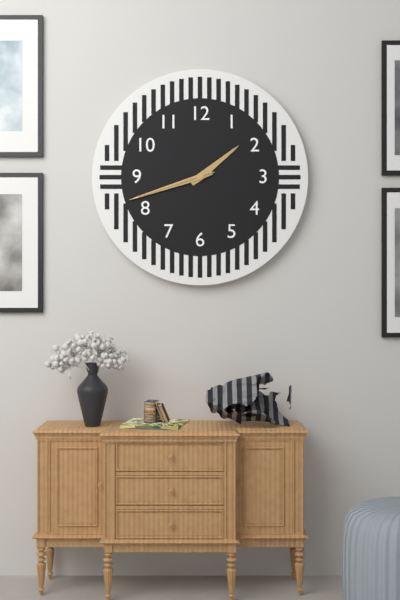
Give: 1h42m42s
